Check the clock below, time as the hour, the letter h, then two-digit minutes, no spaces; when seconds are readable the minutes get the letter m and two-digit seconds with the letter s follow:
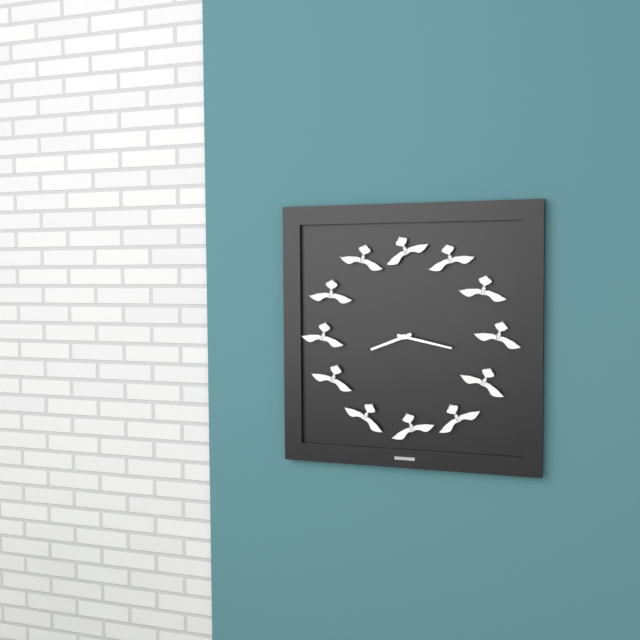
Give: 8h17
